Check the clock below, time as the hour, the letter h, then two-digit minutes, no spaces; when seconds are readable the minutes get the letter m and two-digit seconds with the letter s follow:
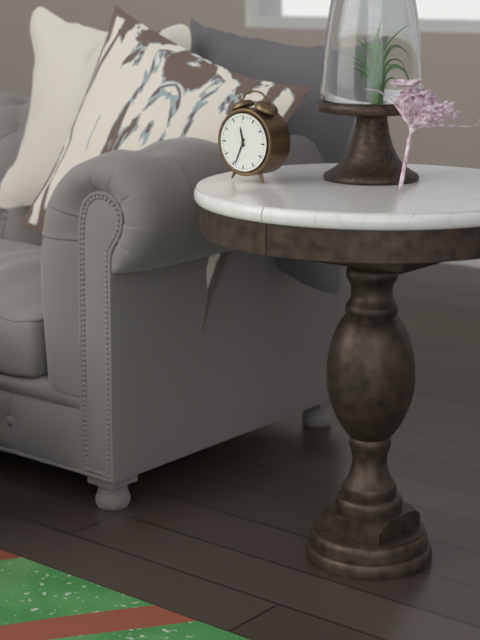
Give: 11h34
